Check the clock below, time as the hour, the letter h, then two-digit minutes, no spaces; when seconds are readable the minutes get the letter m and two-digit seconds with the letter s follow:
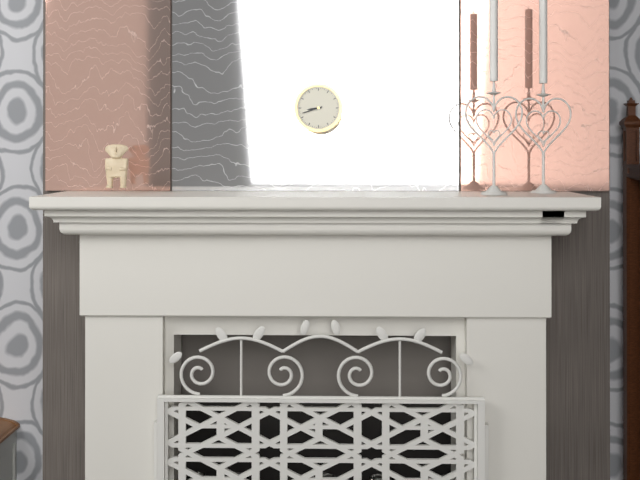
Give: 8h42
